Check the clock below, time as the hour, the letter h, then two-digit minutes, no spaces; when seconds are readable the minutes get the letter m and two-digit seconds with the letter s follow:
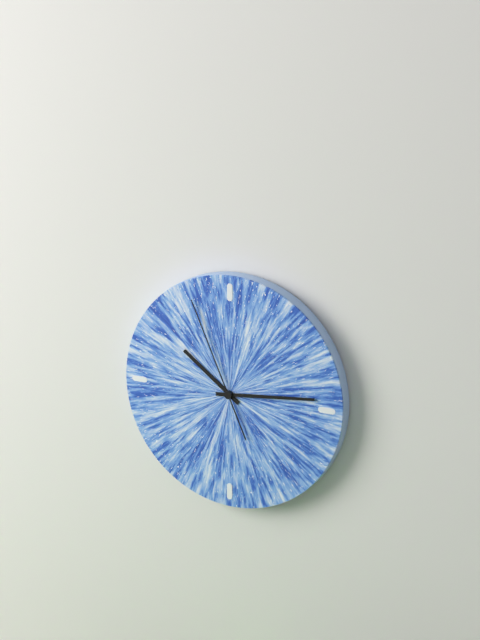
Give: 10h14m56s
